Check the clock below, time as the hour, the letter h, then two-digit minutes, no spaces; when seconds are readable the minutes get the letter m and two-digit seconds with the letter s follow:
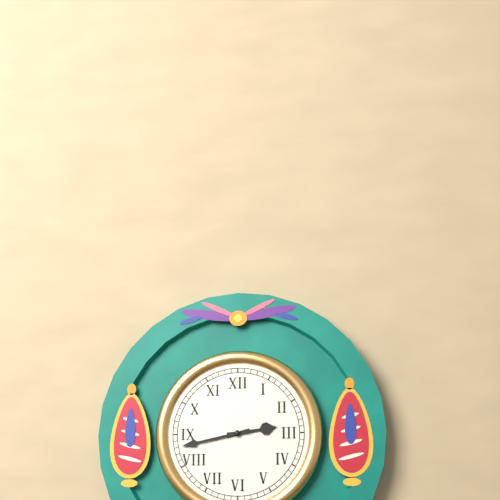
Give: 2h43
